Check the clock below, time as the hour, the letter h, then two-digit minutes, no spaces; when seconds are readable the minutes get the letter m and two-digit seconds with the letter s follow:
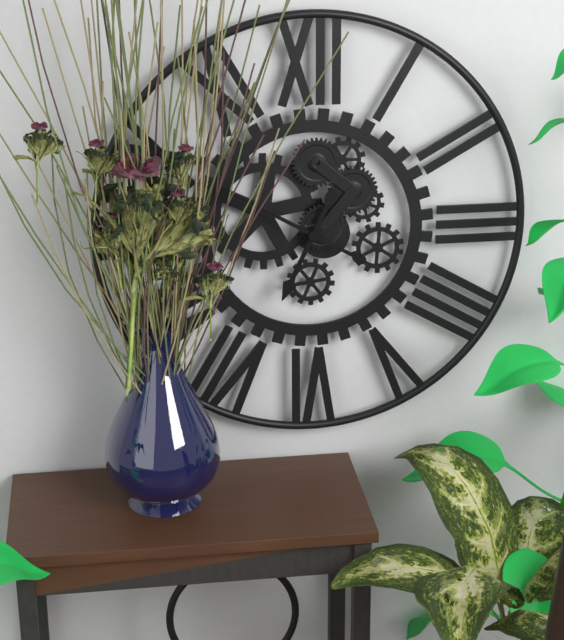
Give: 6h50
